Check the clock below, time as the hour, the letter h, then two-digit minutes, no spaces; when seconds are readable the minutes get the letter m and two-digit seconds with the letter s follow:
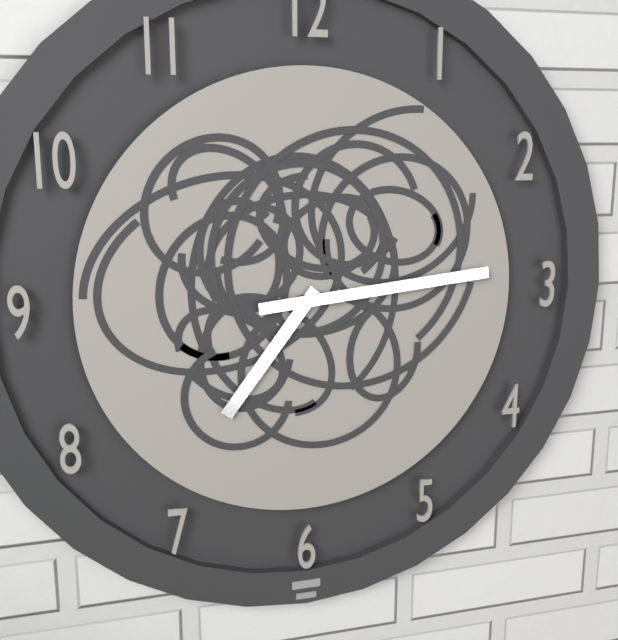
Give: 7h14
